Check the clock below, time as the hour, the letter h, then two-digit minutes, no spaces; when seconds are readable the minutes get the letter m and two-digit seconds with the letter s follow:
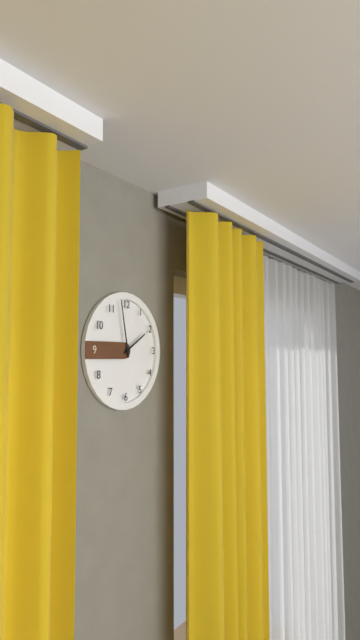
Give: 1h58
